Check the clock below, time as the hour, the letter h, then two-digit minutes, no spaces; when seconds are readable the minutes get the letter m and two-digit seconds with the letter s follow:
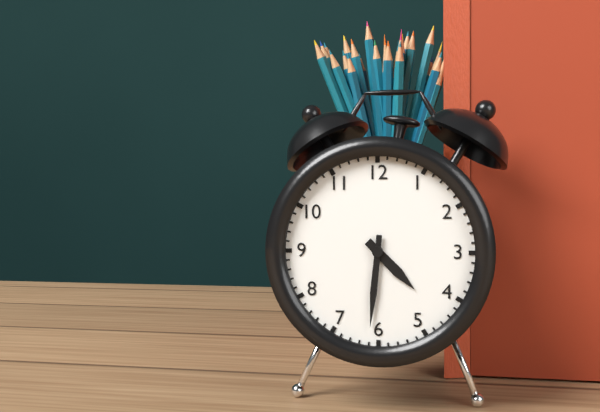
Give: 4h31
